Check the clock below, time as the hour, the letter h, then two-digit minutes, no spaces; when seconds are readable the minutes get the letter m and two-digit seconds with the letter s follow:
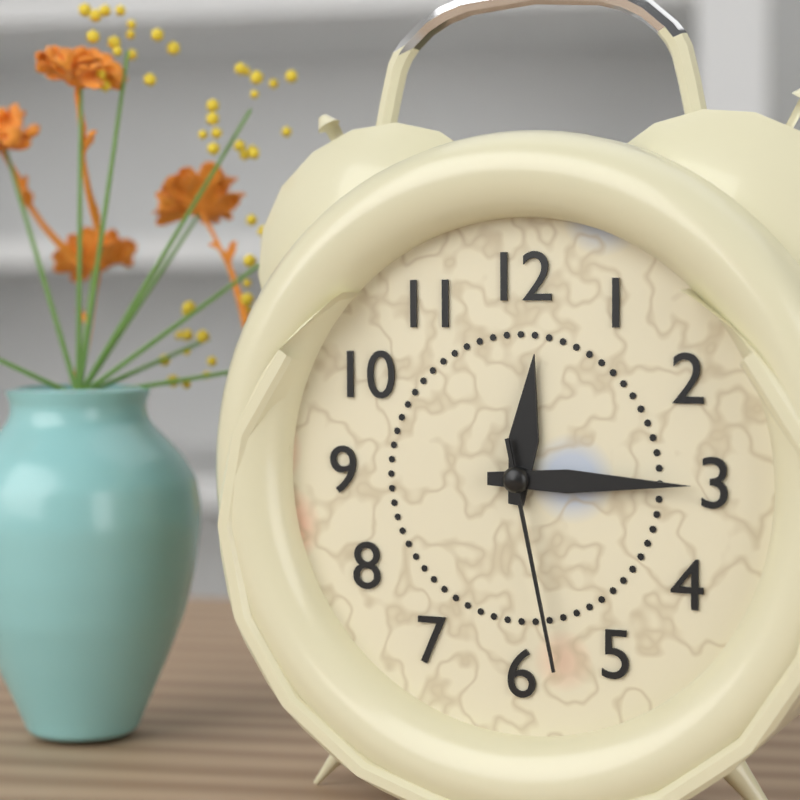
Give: 12h15m28s
